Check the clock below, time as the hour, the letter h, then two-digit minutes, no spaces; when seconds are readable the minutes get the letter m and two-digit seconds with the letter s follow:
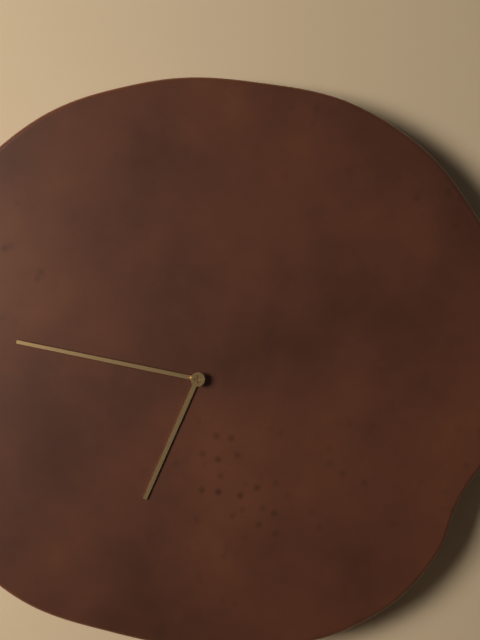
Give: 6h47
